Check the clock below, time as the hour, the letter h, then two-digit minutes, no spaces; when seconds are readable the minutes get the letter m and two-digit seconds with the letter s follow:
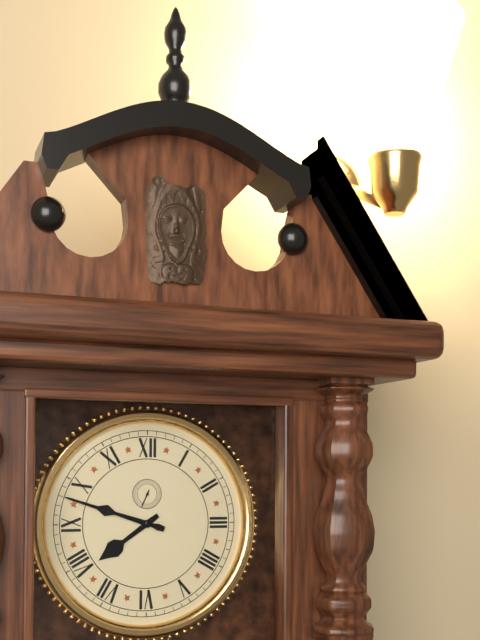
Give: 7h48
